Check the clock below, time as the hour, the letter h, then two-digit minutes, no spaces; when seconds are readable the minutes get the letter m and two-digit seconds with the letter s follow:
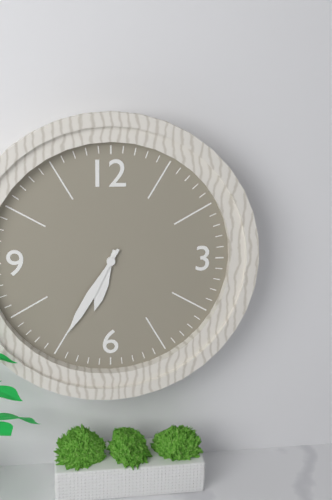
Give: 6h35
